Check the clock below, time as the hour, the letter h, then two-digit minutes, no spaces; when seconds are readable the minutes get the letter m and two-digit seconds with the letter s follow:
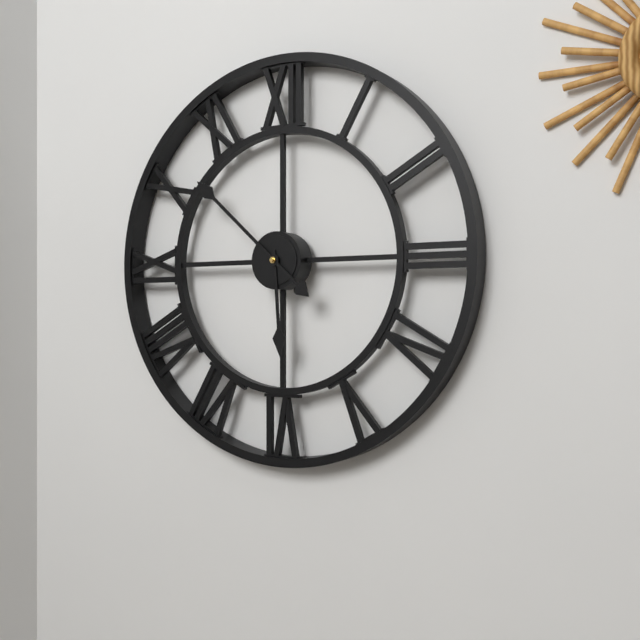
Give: 5h52
